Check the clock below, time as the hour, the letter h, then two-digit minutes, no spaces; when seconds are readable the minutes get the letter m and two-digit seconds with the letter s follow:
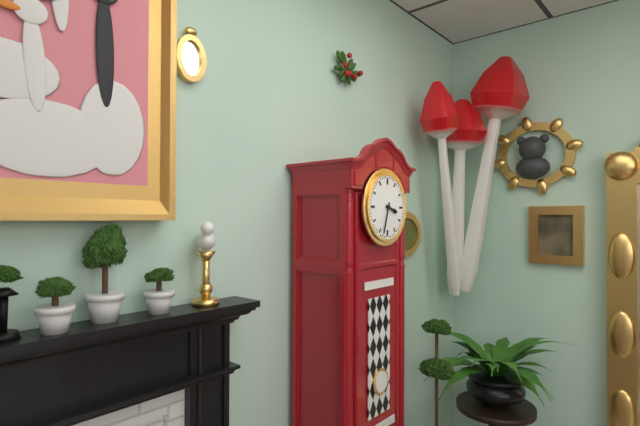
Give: 3h33
